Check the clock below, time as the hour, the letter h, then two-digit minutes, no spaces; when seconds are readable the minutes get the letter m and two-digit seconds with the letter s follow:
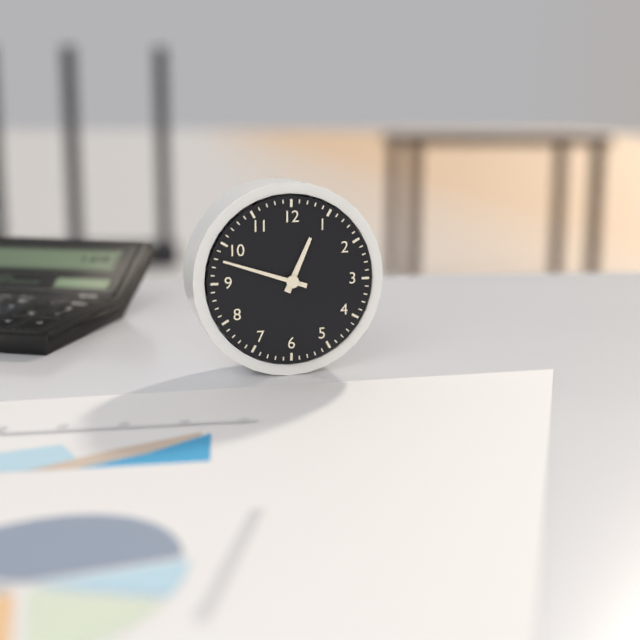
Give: 12h48
